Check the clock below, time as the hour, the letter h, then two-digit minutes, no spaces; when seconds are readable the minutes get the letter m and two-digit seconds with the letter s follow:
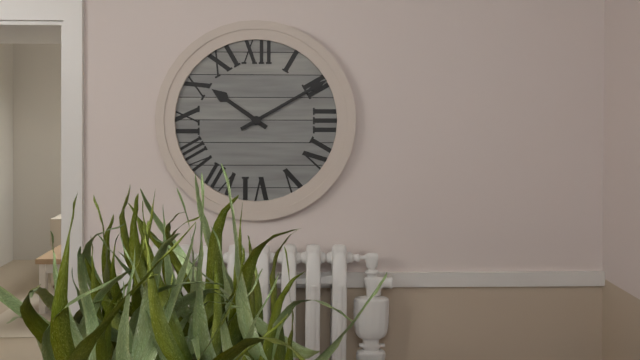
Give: 10h10
